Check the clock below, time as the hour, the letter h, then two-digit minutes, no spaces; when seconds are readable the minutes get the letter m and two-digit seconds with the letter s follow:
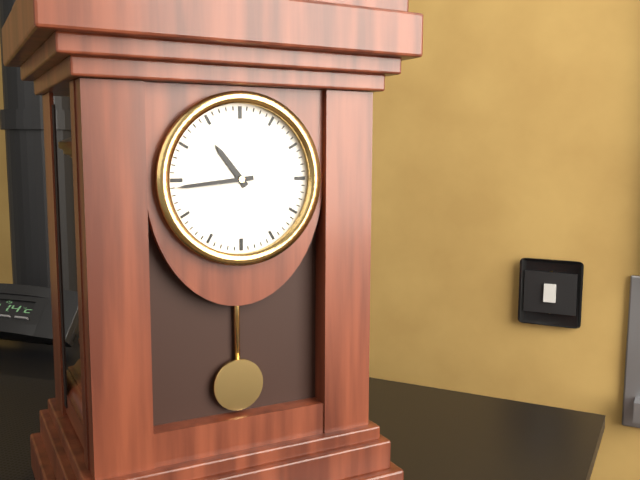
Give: 10h44
